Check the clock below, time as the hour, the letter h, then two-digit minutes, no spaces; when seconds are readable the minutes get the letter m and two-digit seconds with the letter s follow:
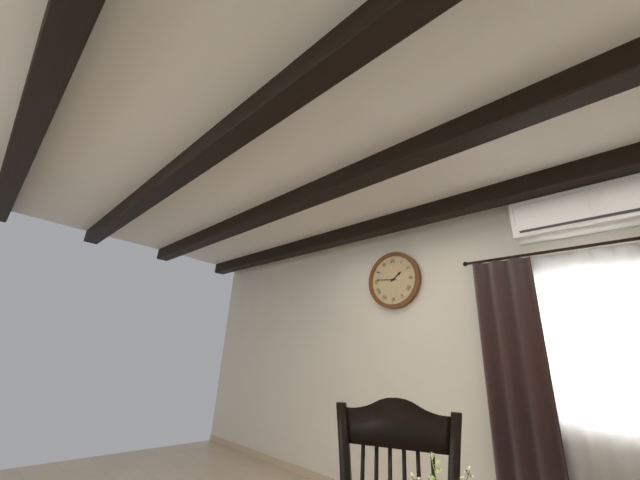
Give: 1h46
